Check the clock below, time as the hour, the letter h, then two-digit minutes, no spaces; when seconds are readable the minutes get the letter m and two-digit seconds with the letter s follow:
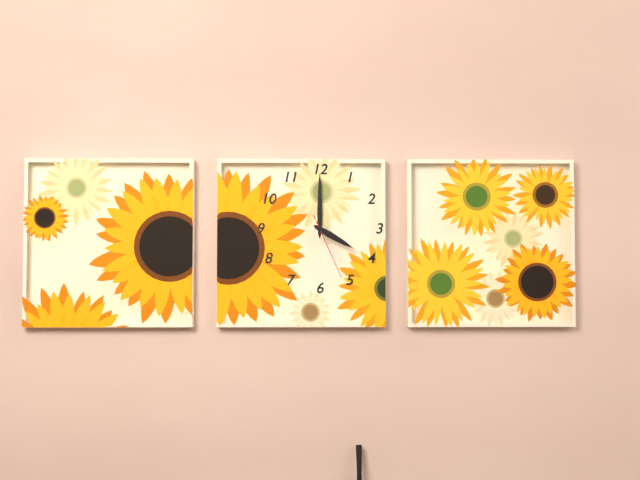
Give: 4h00m26s
